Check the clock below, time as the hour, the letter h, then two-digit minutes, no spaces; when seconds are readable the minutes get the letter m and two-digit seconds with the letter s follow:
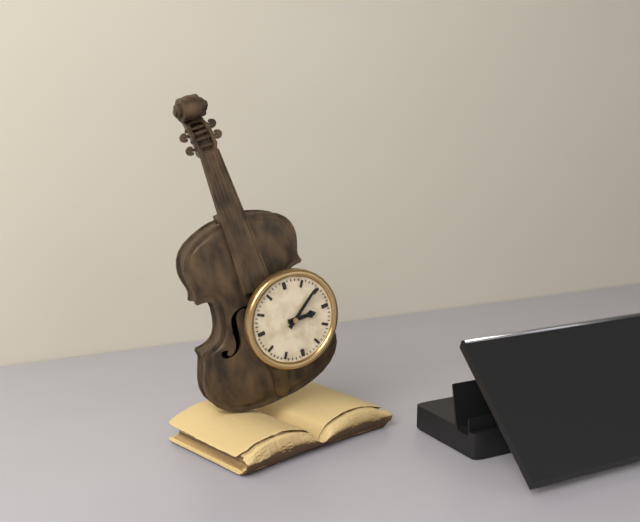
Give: 3h09
